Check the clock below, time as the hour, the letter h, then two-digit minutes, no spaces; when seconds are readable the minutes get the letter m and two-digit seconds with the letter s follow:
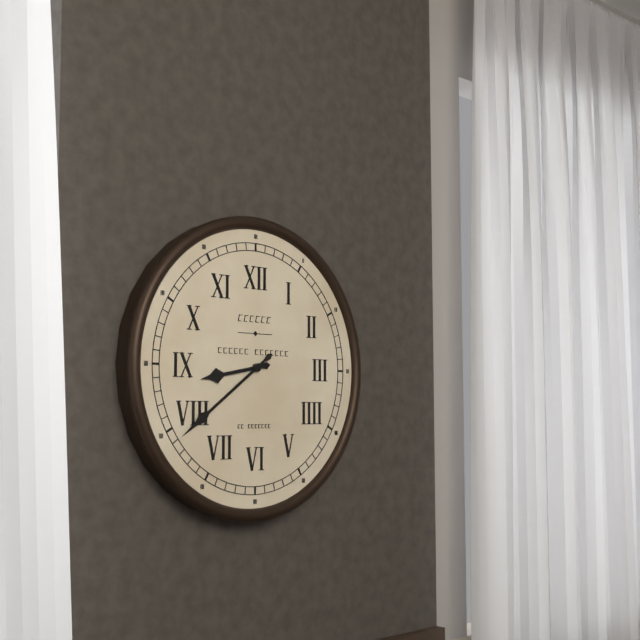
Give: 8h39
